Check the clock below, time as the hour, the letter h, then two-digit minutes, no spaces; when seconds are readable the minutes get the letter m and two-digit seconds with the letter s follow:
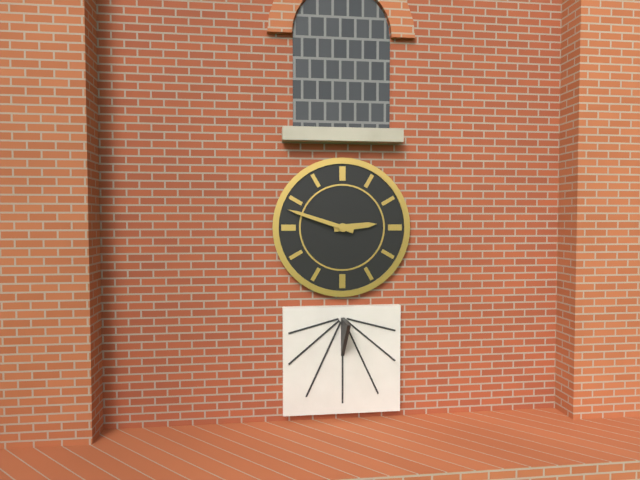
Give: 2h48
